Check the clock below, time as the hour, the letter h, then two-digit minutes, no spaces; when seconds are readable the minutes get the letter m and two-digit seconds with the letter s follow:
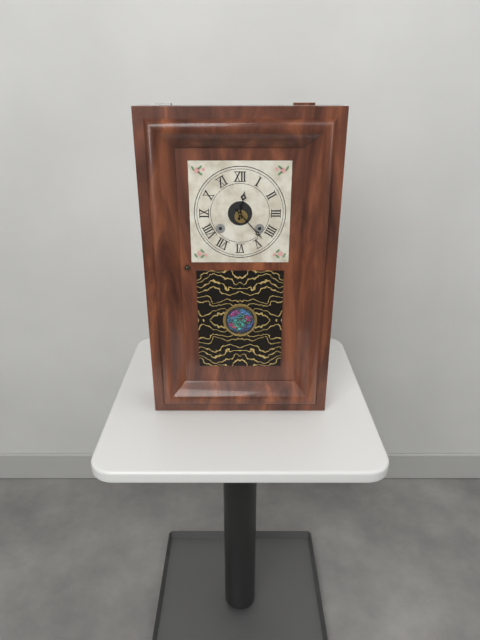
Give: 12h23
